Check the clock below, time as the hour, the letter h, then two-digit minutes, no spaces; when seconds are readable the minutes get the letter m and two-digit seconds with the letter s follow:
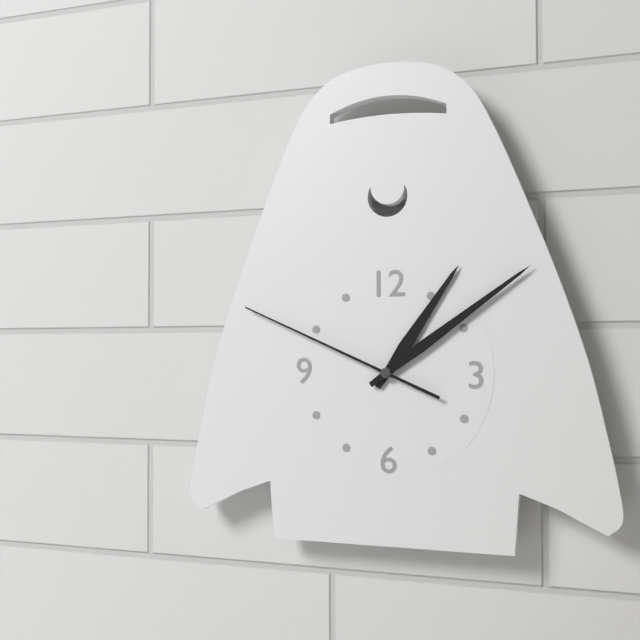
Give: 1h09m49s
